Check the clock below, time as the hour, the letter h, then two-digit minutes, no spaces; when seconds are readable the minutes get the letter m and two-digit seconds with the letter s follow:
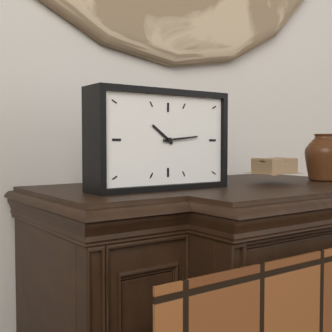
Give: 10h14
